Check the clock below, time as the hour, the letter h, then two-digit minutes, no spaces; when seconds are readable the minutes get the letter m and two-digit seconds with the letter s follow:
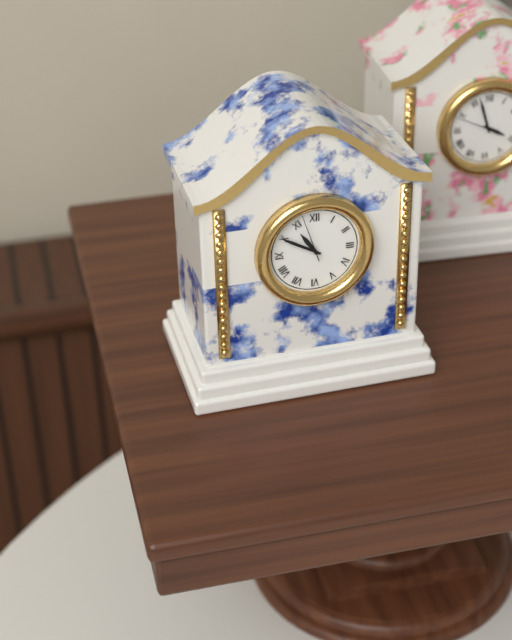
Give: 10h50
